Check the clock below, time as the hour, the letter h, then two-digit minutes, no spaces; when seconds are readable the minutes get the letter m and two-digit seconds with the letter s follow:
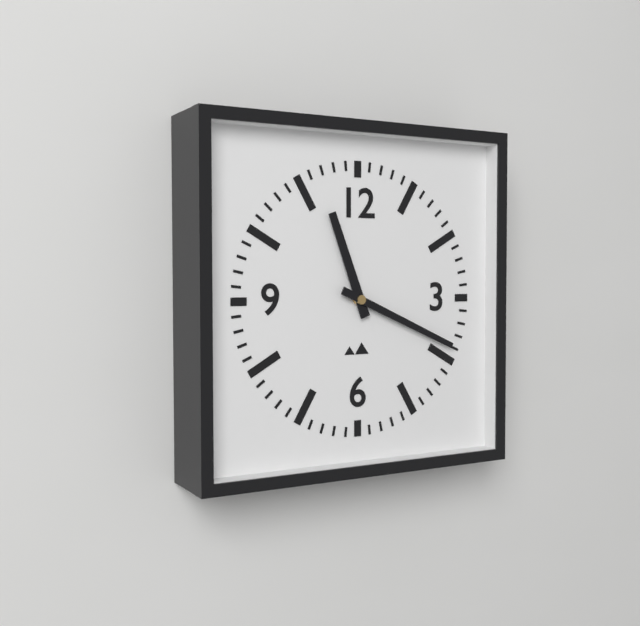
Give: 11h19
